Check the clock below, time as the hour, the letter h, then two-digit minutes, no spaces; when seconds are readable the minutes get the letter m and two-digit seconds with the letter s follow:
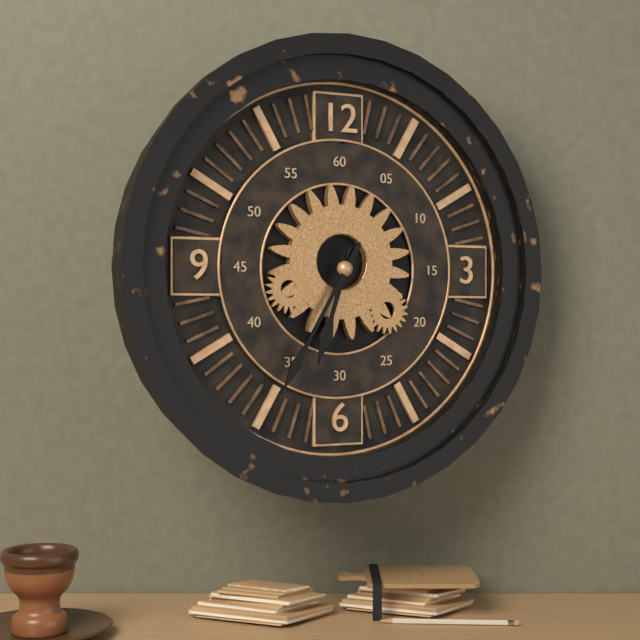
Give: 6h35
